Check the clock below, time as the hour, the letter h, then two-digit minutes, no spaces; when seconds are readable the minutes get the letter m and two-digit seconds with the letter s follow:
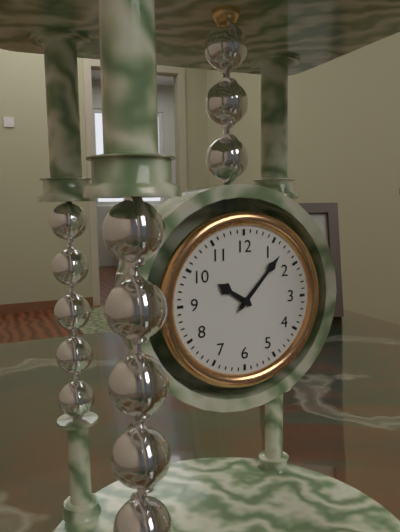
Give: 10h07
